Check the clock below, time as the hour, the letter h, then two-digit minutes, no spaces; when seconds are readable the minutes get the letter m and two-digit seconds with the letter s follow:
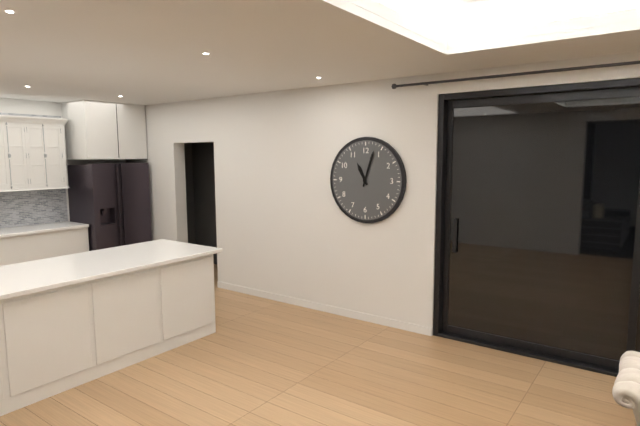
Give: 11h03
